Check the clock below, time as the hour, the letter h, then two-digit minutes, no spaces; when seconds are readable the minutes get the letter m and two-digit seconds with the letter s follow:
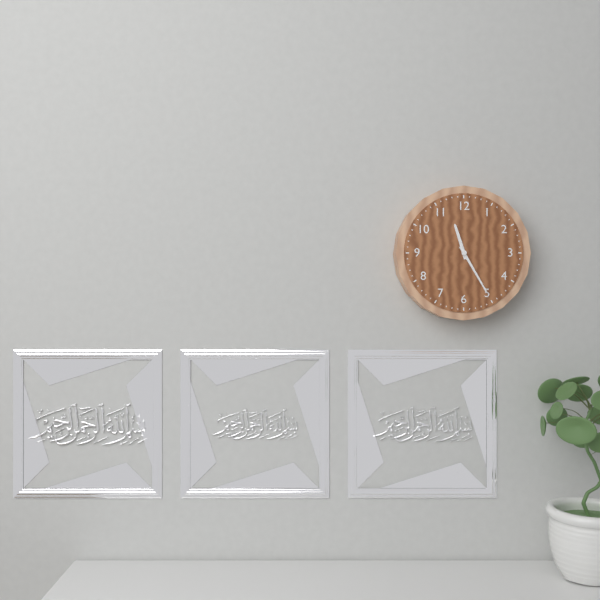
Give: 11h25
